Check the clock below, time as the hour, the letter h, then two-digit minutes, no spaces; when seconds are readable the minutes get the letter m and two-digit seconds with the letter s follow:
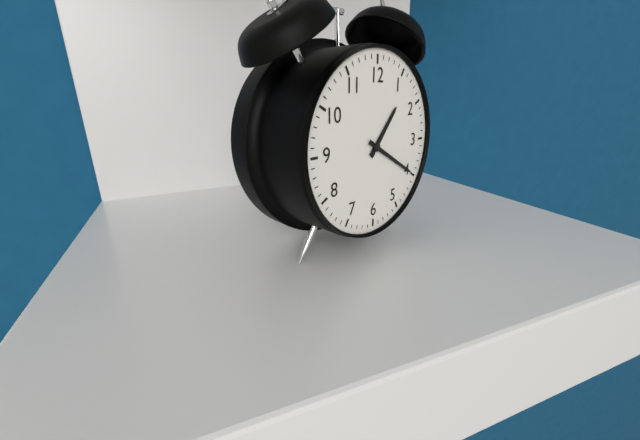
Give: 1h20
